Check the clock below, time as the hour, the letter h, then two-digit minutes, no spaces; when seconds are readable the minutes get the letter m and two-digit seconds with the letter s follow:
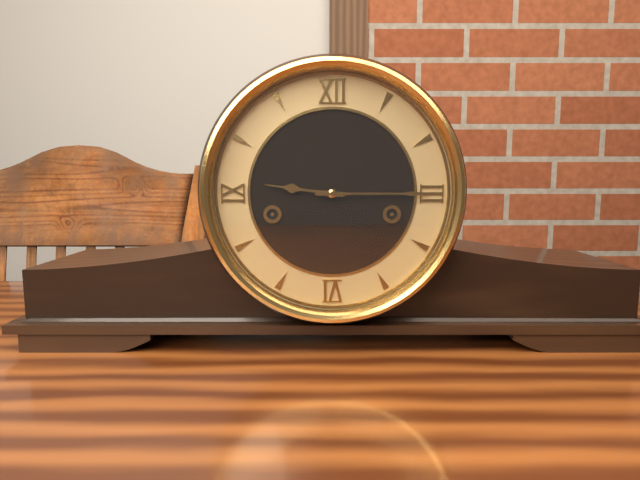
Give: 9h15
